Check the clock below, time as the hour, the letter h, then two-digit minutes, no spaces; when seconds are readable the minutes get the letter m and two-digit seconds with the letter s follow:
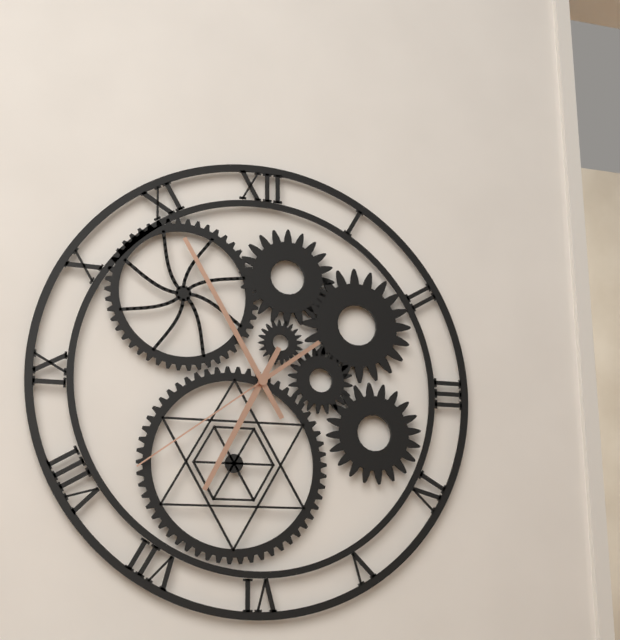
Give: 6h55m39s
